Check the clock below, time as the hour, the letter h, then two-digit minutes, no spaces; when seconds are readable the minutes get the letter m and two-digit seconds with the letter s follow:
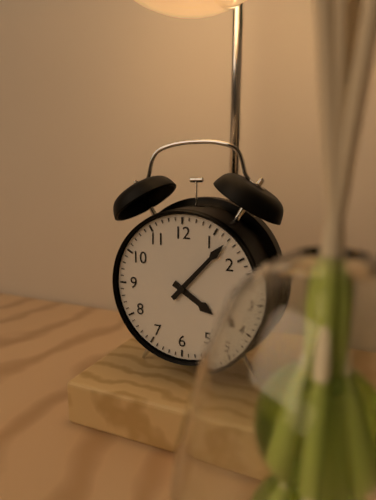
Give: 4h07
